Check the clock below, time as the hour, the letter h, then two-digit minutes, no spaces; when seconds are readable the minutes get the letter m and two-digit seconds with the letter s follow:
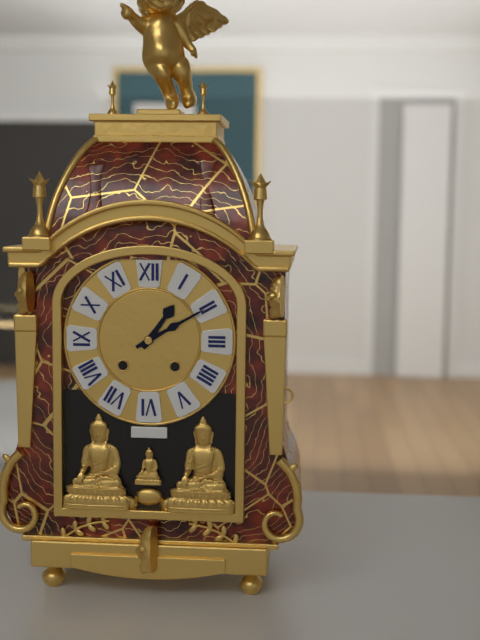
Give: 1h10
